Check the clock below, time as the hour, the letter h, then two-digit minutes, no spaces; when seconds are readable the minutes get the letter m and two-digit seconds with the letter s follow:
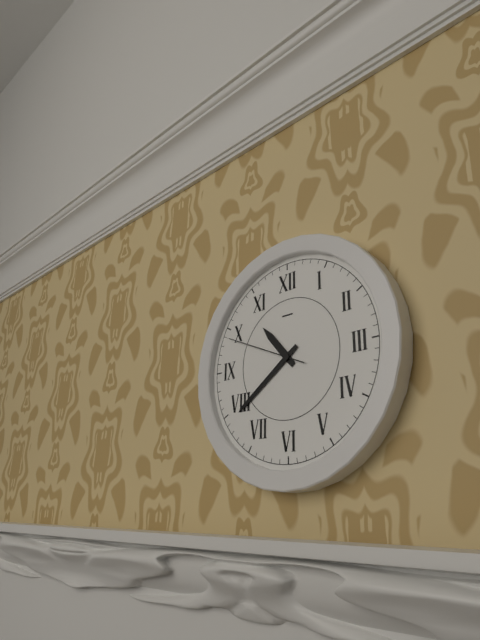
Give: 10h39m49s
